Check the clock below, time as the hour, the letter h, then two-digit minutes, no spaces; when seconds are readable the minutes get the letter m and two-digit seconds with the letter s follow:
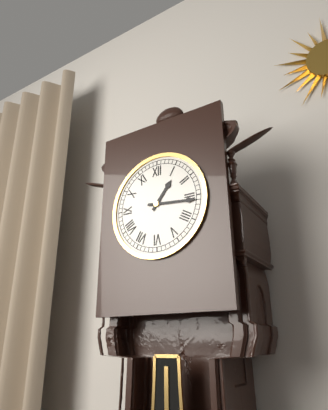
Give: 1h16
